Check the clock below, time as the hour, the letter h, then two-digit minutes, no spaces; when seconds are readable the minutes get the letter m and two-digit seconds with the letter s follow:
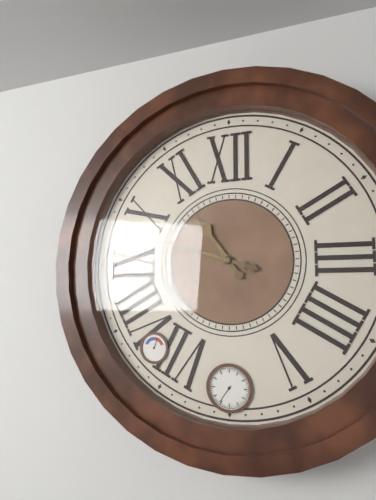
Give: 10h48
